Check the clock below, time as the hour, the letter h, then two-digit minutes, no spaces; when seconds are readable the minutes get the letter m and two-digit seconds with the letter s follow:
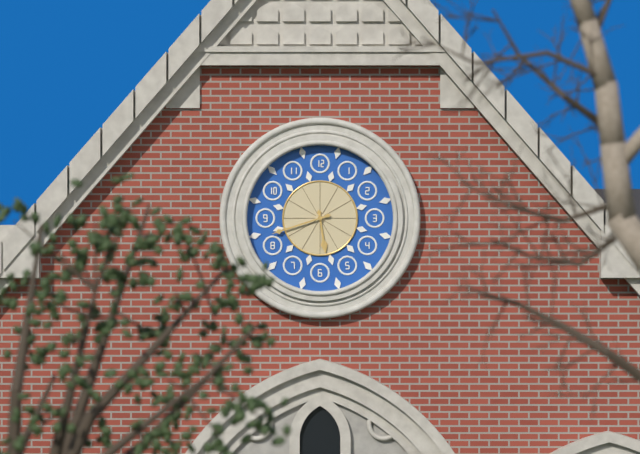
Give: 5h42
